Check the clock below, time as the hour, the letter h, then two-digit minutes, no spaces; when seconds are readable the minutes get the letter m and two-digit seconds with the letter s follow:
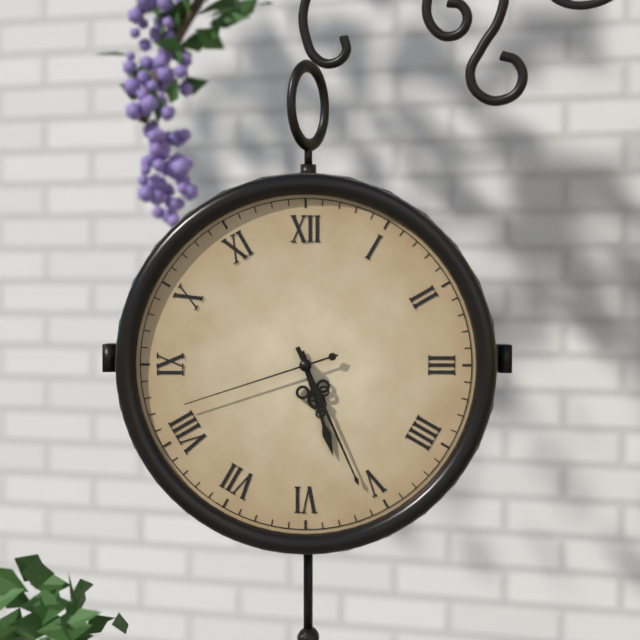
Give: 5h26m42s
